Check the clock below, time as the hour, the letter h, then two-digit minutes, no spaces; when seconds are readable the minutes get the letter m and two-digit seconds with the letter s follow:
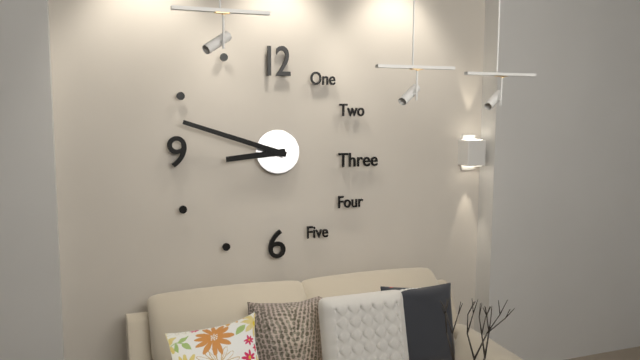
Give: 8h48
